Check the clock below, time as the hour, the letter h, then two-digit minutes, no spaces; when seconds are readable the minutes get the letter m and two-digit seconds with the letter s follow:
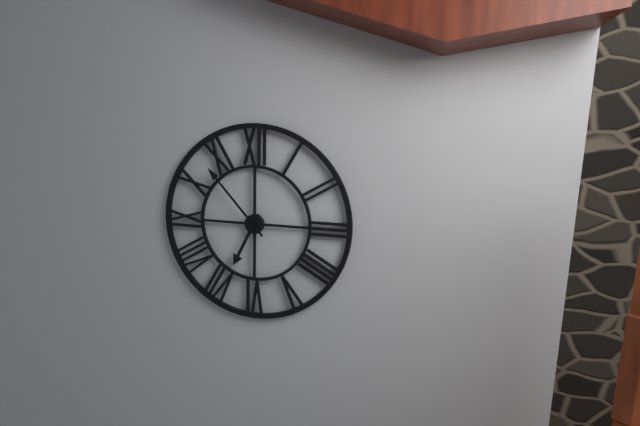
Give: 6h53
